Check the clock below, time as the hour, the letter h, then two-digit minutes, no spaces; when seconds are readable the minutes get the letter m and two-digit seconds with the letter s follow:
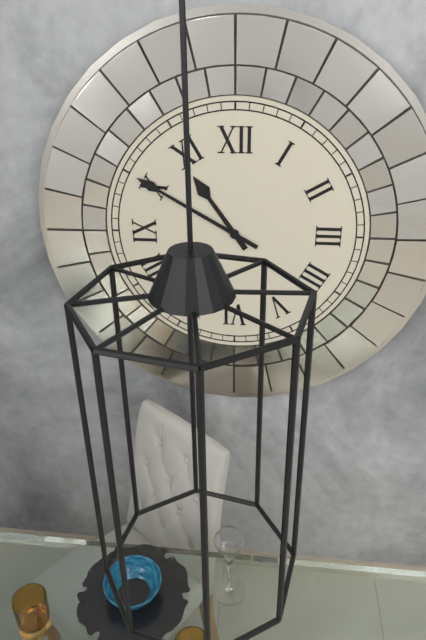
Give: 10h50
